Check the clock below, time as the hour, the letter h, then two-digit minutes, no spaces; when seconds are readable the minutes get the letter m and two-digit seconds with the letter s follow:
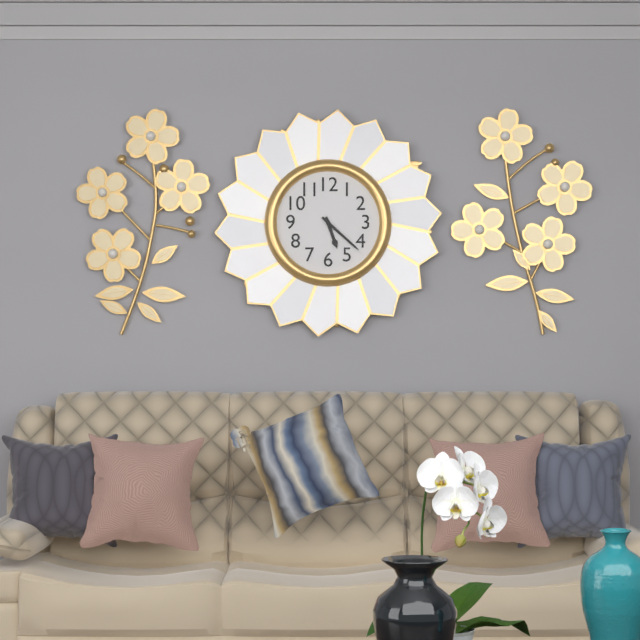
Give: 5h22
